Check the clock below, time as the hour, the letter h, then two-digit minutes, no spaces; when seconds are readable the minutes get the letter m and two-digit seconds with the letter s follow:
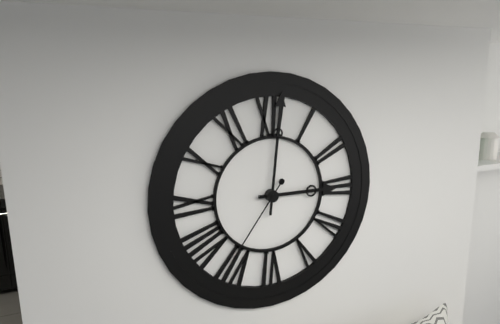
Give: 3h01m36s
